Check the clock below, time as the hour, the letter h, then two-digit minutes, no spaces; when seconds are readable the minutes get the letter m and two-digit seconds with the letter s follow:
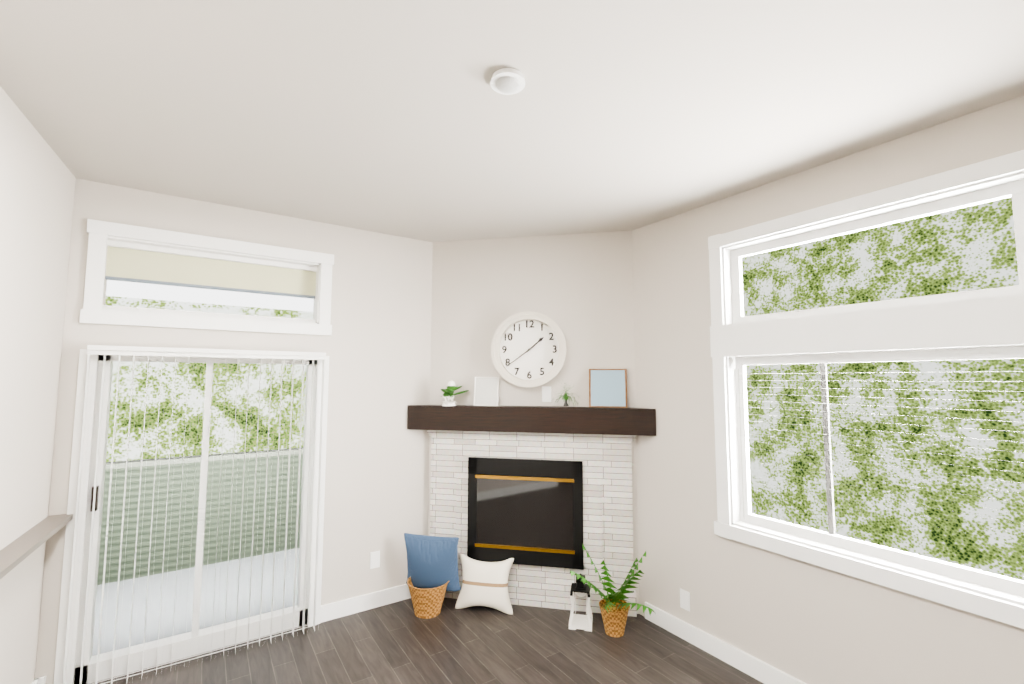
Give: 1h39
